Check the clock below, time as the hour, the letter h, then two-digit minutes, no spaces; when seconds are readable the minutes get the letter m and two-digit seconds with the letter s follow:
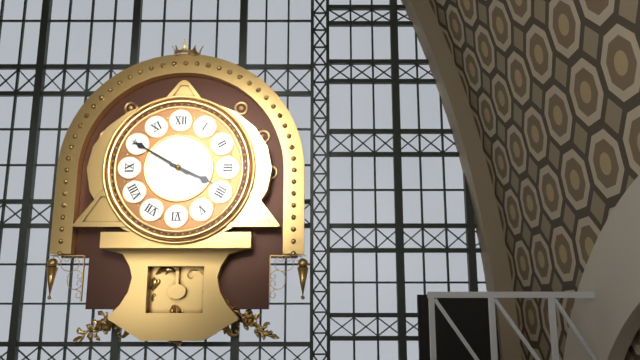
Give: 3h50
